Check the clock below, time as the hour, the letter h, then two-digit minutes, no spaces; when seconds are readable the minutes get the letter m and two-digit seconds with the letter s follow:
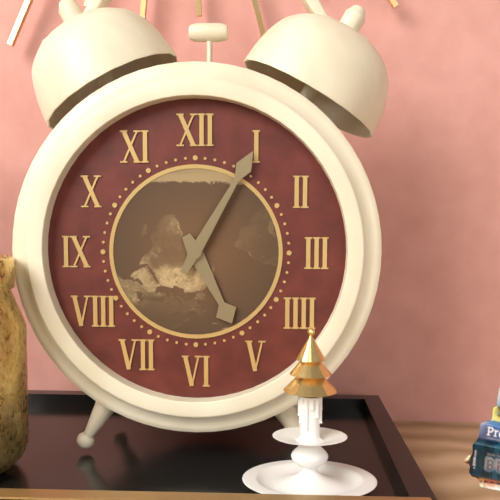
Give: 5h05
